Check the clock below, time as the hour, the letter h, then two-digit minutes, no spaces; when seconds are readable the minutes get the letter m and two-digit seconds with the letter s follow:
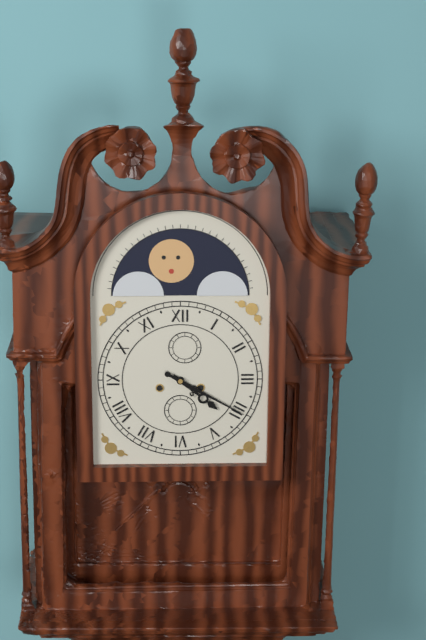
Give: 4h20
